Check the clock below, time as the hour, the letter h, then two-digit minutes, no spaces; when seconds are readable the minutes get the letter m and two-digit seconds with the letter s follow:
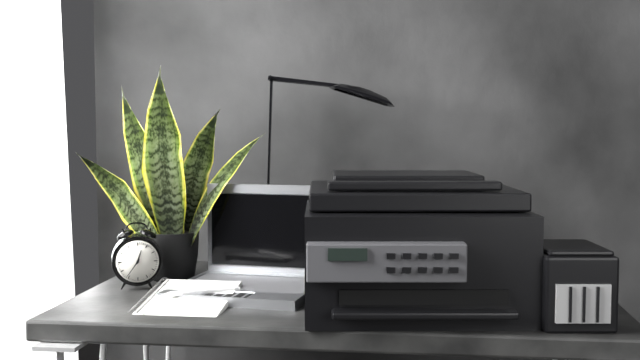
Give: 12h36
